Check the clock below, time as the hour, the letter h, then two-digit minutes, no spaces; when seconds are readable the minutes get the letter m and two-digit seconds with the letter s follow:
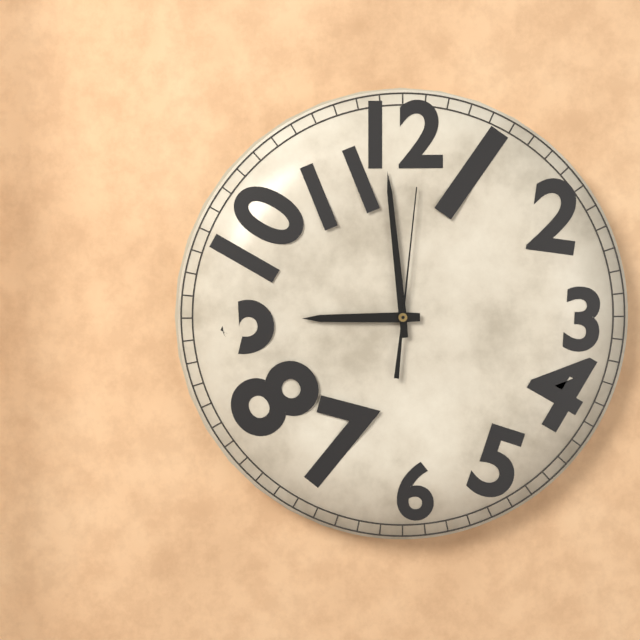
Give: 8h59m01s
